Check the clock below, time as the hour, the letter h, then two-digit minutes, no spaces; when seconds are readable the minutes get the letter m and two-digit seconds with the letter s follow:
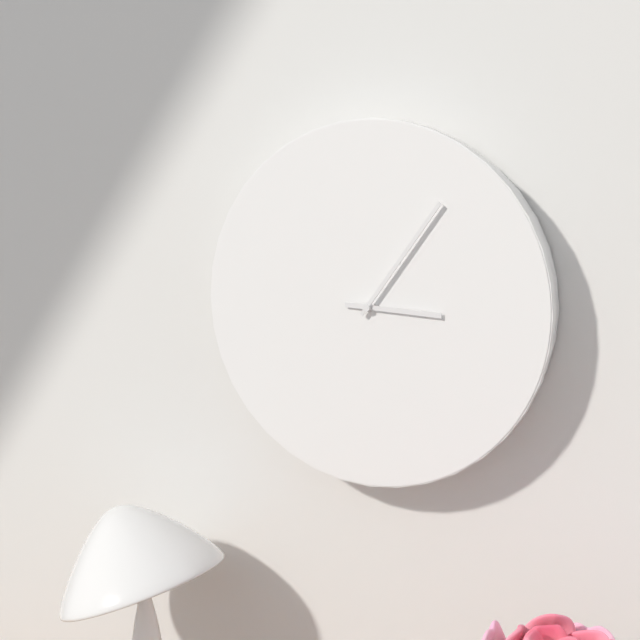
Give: 3h06
